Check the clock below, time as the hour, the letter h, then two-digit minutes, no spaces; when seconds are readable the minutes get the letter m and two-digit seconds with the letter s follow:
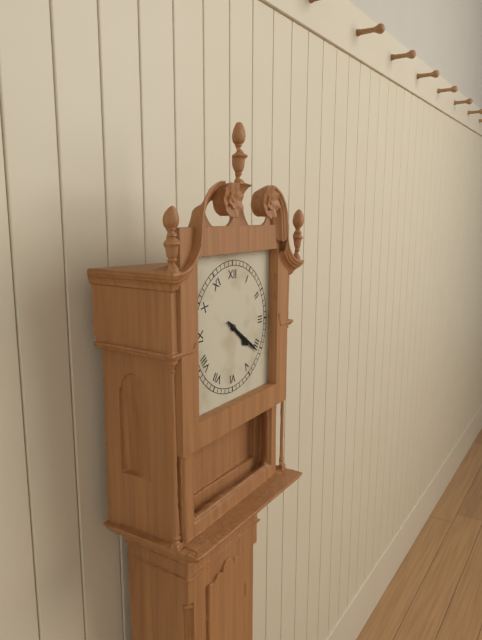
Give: 4h21
